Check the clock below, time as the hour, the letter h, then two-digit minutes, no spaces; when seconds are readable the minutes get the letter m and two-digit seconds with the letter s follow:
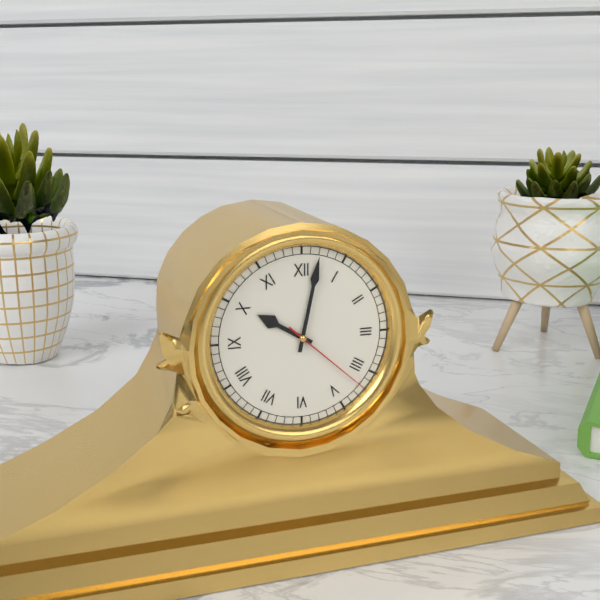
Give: 10h02m22s
